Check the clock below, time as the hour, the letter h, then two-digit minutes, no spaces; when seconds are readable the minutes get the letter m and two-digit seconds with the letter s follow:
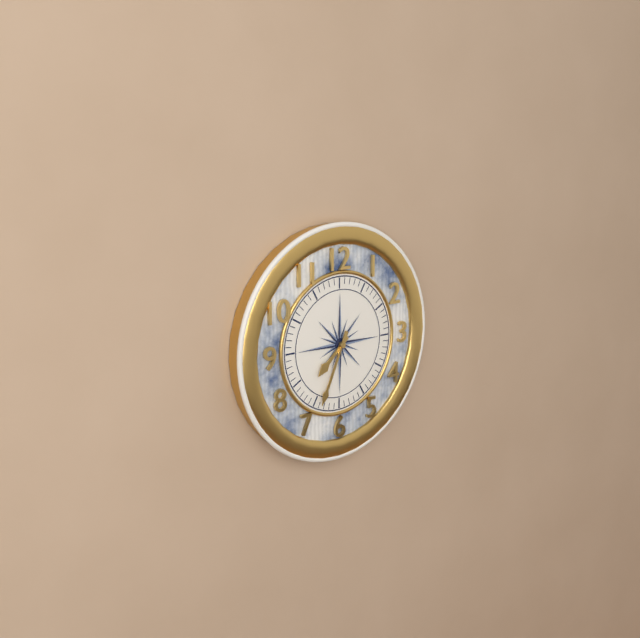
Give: 7h34
